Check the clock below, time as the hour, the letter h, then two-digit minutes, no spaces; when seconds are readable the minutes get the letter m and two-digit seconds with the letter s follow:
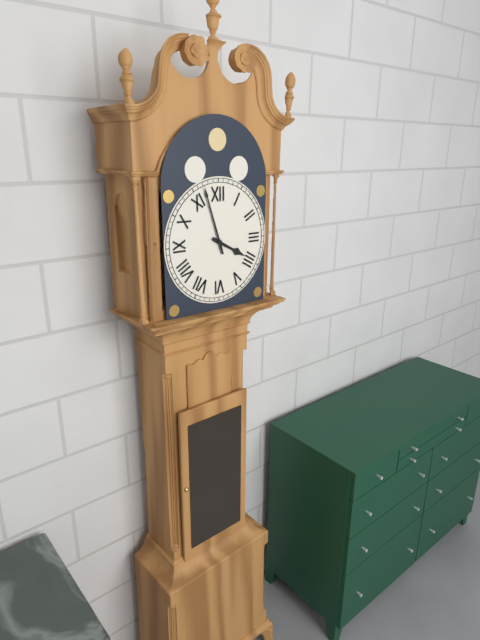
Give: 3h57
